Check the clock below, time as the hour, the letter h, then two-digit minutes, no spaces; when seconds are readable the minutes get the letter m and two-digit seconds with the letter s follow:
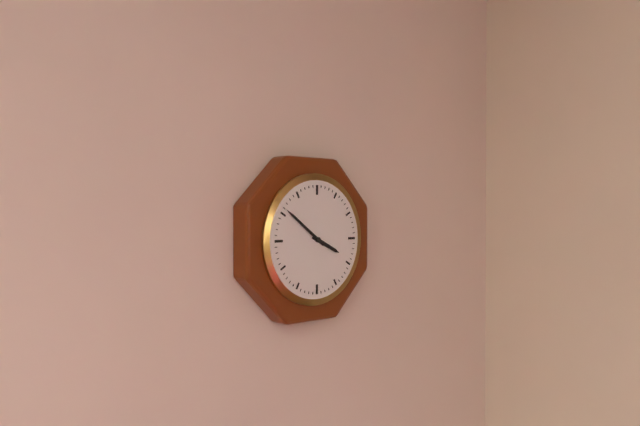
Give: 3h51
